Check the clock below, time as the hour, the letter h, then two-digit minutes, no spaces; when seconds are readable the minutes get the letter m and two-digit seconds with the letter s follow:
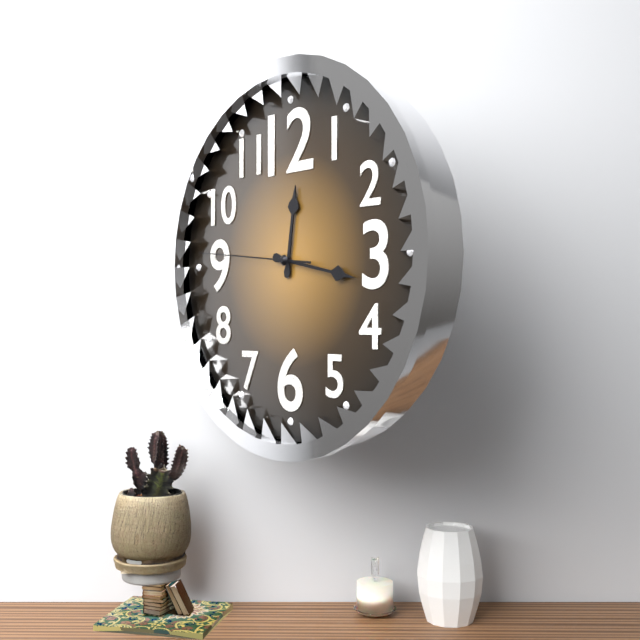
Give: 12h17m46s
